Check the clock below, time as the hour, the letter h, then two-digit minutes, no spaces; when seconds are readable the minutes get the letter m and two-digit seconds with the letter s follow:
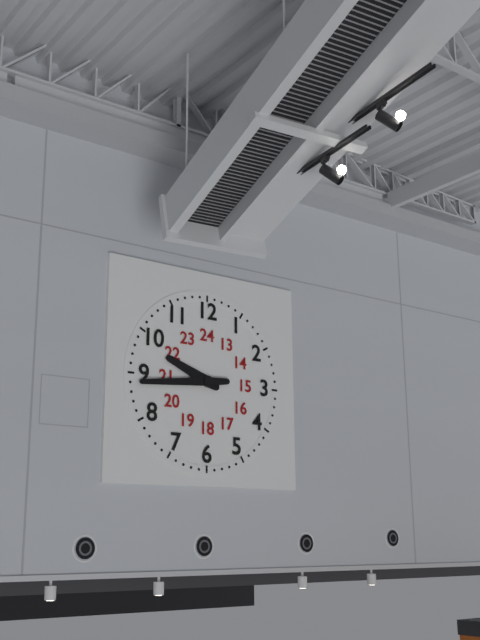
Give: 9h44
